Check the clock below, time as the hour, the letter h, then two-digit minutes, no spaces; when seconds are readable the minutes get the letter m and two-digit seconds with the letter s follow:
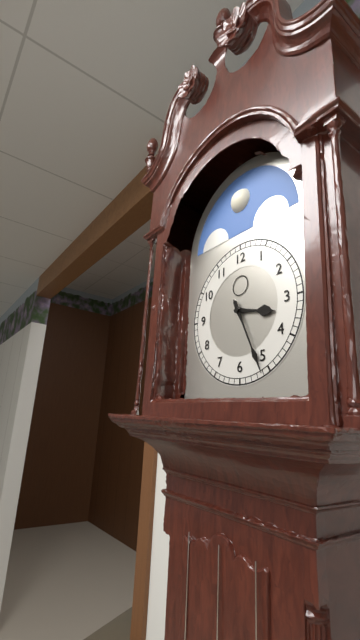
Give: 3h26
